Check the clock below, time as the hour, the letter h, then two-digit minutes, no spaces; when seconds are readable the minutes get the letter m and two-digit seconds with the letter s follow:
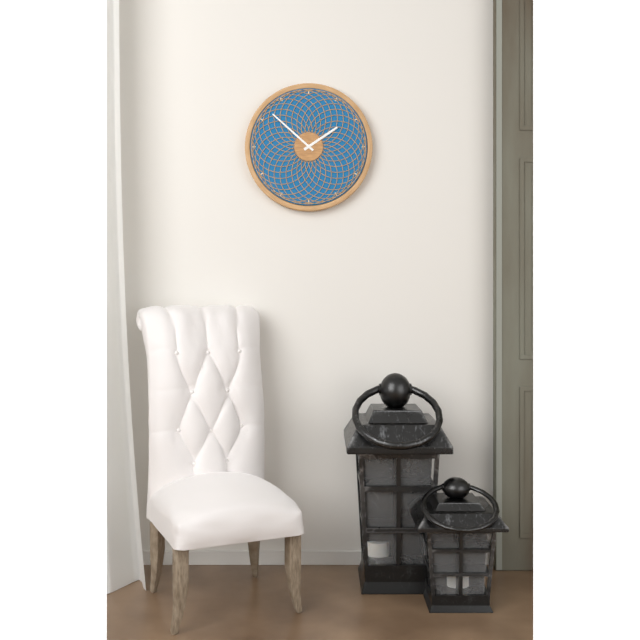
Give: 1h52
